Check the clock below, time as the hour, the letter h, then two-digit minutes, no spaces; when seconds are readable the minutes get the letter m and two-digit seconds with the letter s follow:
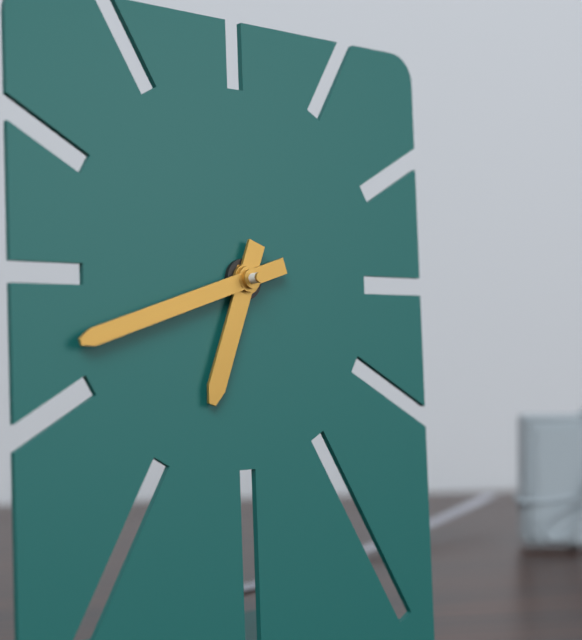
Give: 6h42
